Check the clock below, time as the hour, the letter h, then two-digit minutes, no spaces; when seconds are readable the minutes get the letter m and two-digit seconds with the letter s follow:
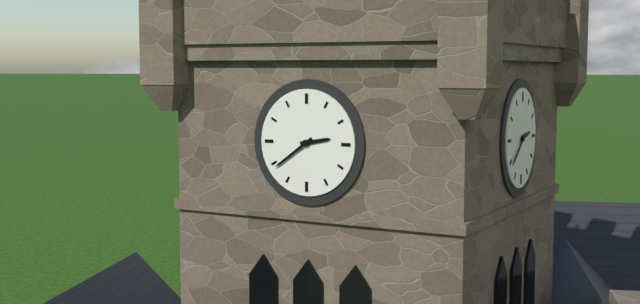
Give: 2h39
